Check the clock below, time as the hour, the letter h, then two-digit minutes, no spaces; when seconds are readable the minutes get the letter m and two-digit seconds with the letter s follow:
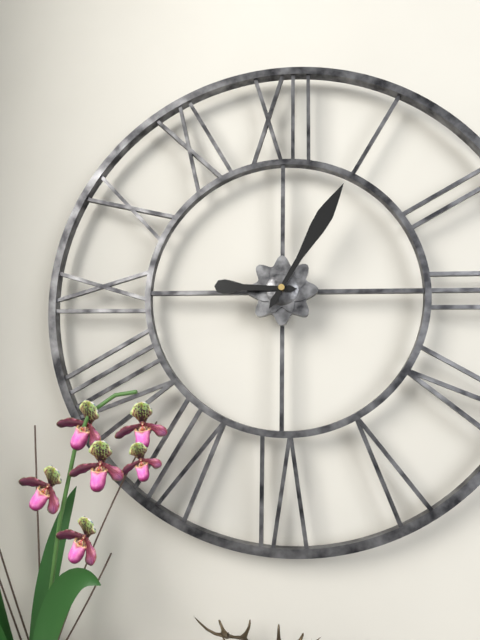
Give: 9h05
